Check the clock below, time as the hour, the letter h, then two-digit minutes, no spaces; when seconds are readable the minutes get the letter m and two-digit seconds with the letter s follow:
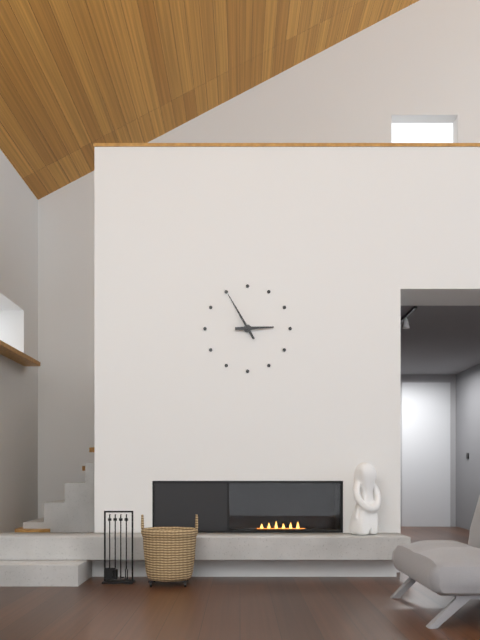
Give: 2h55
